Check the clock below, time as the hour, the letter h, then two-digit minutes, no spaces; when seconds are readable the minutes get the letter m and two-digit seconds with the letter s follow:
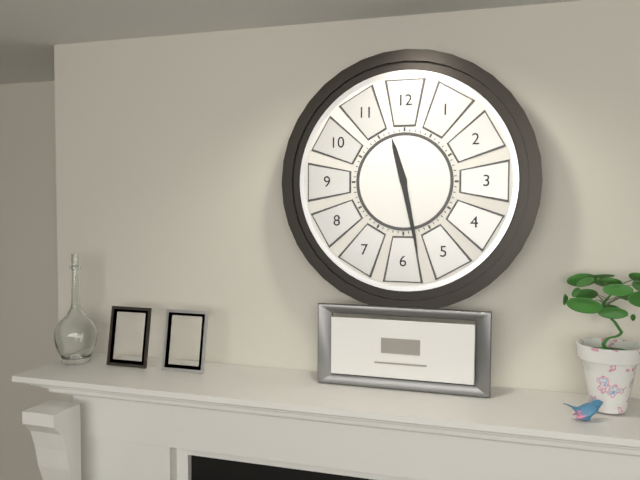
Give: 11h28
